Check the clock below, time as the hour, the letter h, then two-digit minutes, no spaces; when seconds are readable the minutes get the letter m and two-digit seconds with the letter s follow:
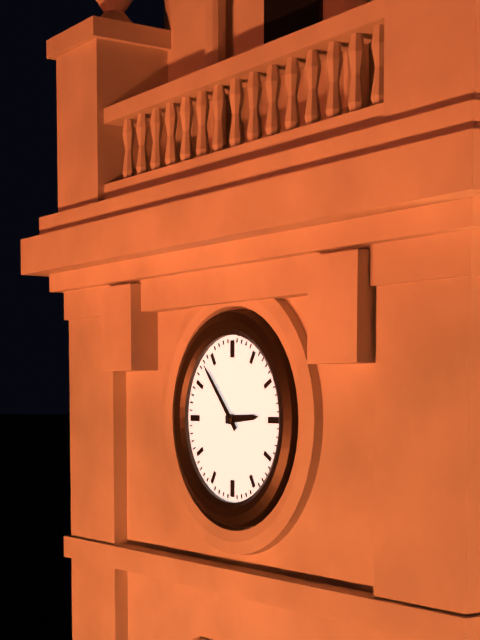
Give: 2h53
